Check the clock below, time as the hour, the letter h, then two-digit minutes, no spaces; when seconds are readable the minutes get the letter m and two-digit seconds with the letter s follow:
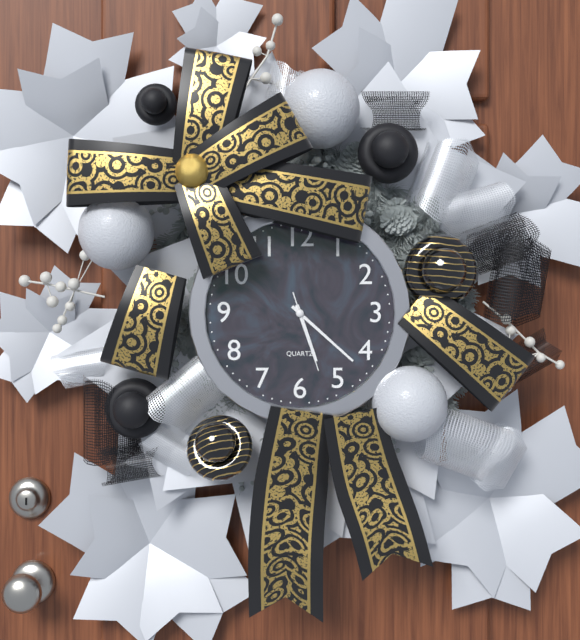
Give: 5h22m27s
